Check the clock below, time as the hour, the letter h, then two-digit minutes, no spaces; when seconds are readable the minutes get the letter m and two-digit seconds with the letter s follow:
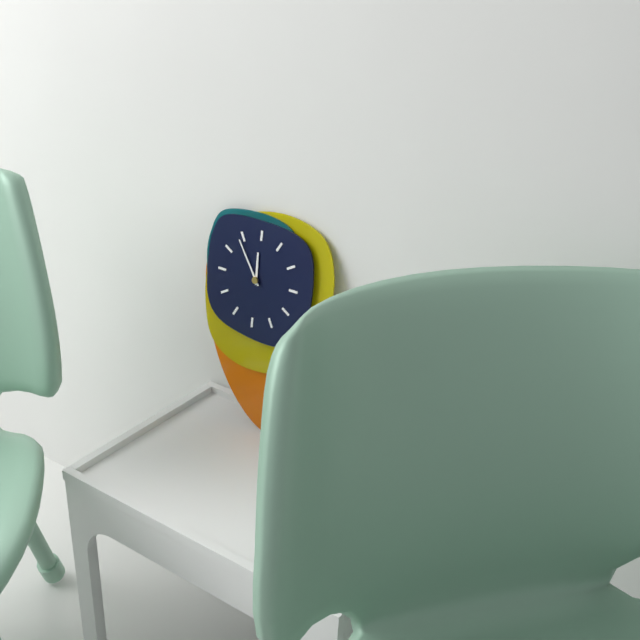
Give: 11h54
